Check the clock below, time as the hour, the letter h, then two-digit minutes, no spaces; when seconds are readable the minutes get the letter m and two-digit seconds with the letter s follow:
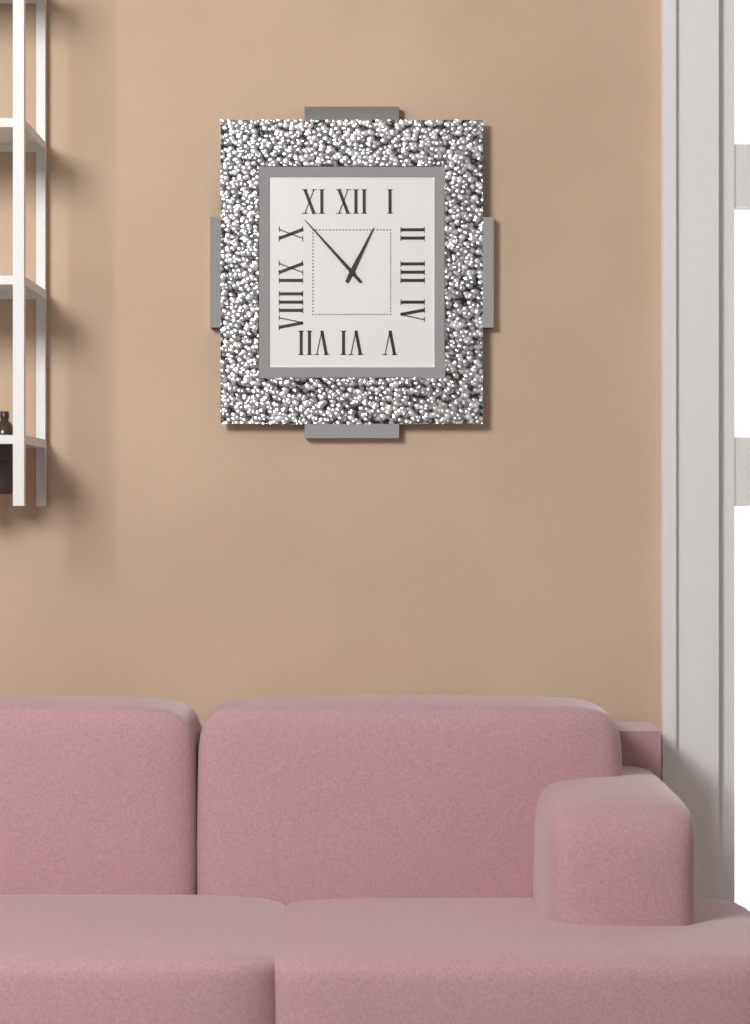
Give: 12h53
